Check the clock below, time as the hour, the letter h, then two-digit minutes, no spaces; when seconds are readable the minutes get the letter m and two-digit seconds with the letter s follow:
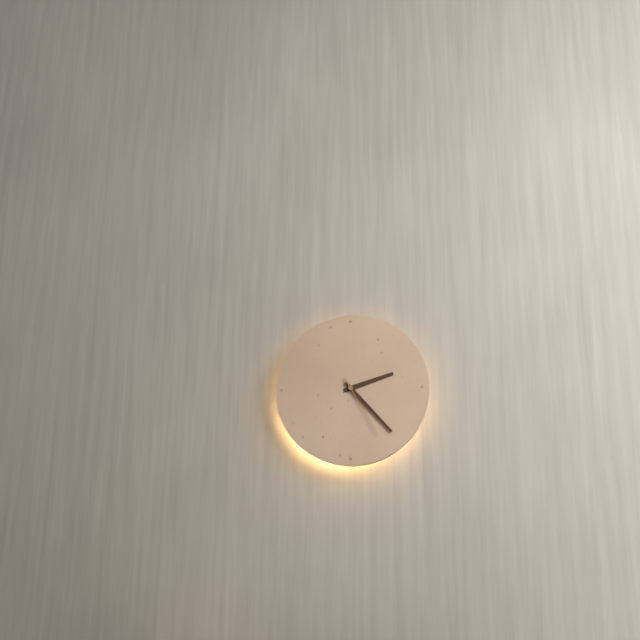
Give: 2h23m25s
